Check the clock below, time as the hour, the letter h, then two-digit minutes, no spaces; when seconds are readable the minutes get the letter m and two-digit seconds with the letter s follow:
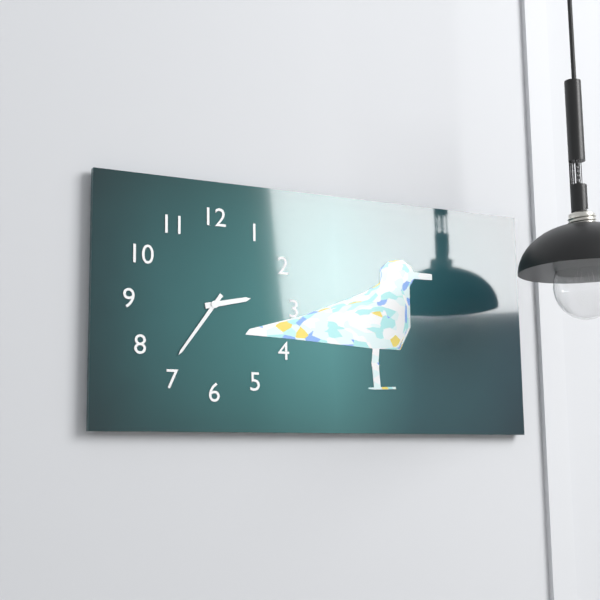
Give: 2h36
